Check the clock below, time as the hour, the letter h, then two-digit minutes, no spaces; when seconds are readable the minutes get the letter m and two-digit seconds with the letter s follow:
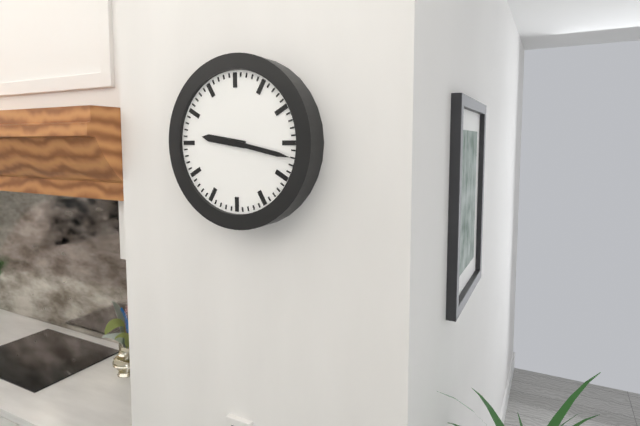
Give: 9h17
